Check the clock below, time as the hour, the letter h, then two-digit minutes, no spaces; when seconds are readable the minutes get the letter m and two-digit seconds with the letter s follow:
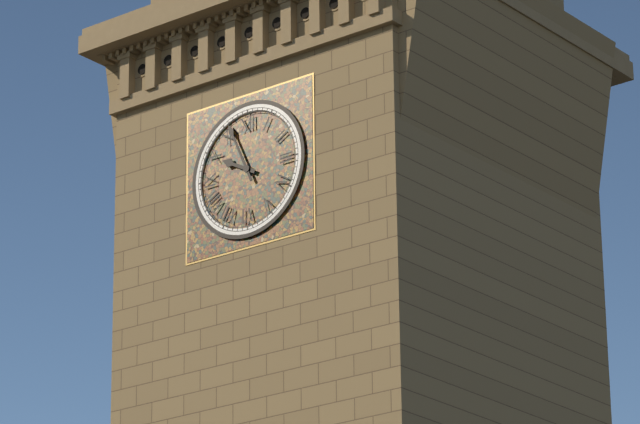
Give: 9h56
